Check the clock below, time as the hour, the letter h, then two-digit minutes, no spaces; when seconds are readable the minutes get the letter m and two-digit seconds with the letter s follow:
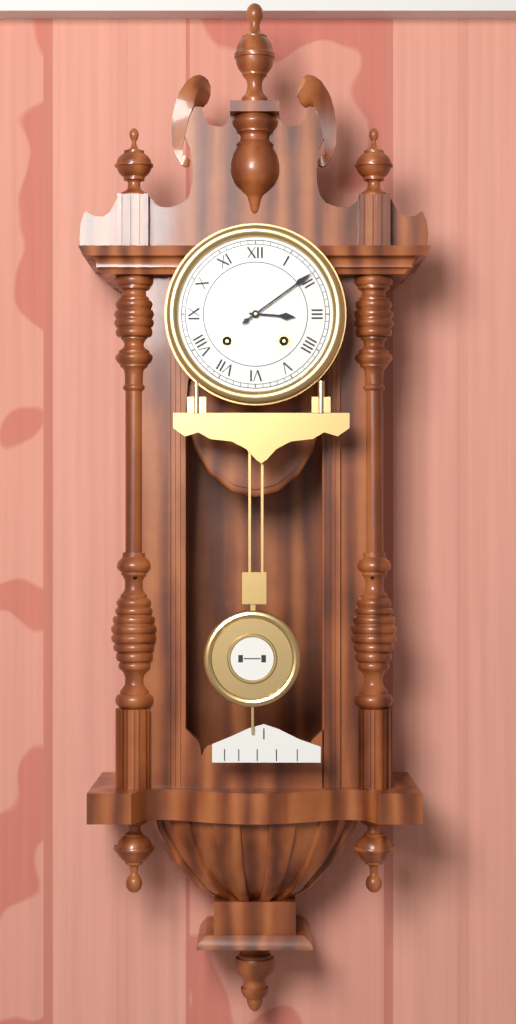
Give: 3h09
